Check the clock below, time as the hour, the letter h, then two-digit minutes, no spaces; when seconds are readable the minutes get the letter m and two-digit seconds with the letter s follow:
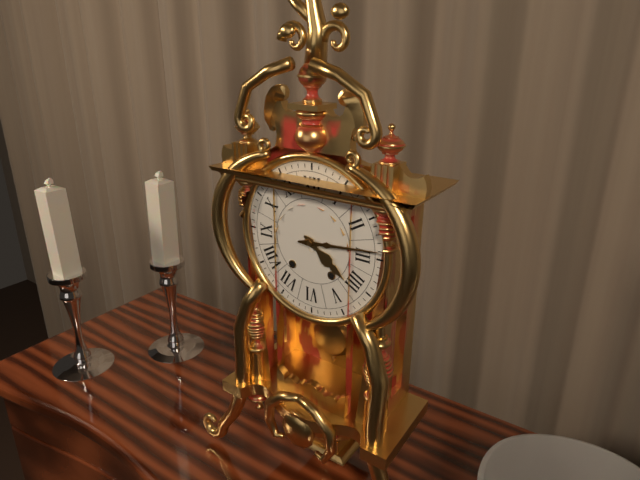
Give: 4h14
